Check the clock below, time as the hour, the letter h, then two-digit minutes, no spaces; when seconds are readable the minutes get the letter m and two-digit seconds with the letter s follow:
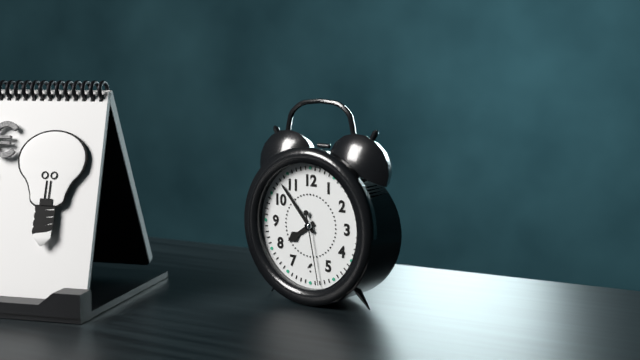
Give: 7h53m28s
